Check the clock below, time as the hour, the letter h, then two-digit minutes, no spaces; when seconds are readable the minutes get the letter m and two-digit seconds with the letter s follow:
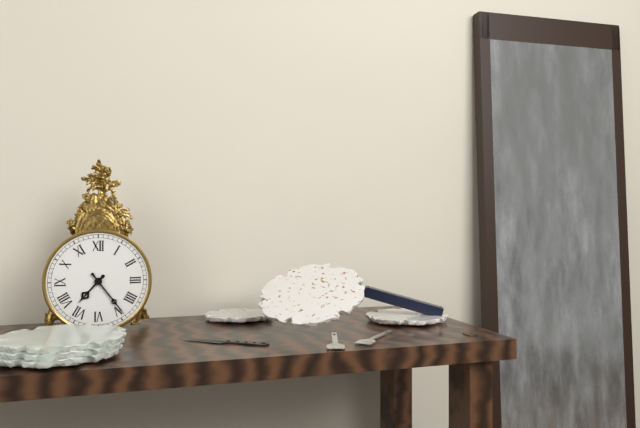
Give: 7h24
